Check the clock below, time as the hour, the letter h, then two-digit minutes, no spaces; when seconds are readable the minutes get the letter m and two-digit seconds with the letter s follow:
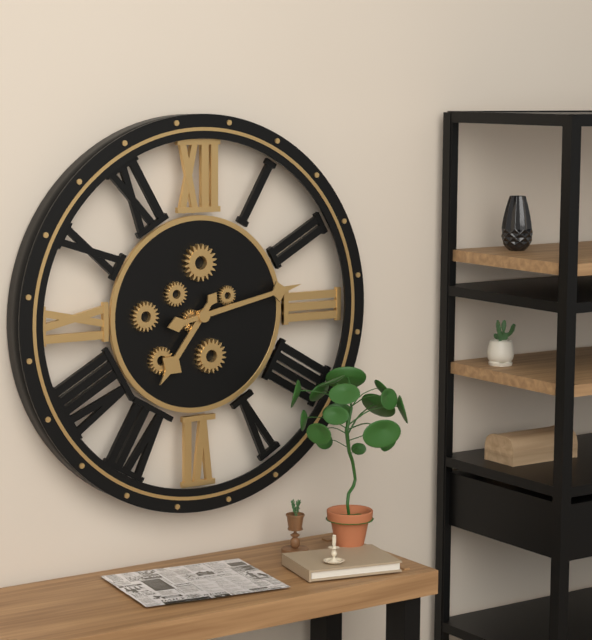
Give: 7h13
